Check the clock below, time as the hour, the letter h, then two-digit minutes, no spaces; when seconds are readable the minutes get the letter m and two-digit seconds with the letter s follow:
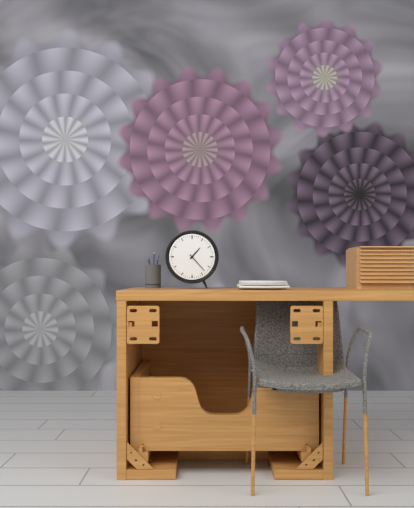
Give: 1h23
